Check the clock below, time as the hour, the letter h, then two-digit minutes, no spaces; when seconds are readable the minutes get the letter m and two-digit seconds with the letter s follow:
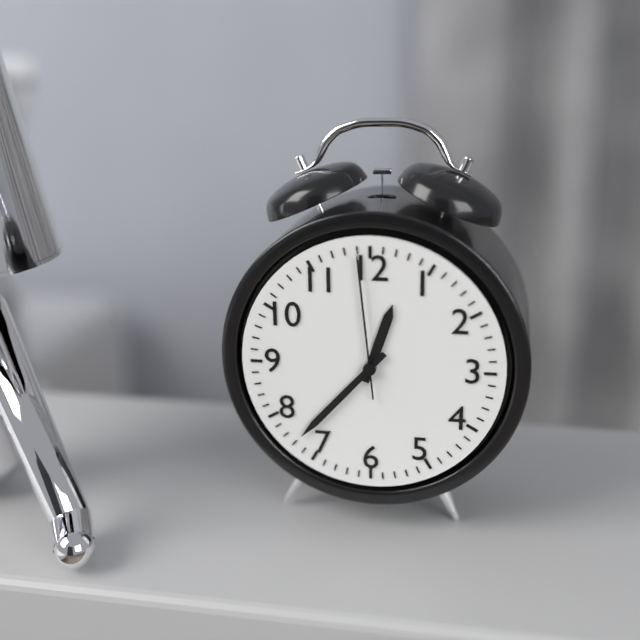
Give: 12h37m59s
